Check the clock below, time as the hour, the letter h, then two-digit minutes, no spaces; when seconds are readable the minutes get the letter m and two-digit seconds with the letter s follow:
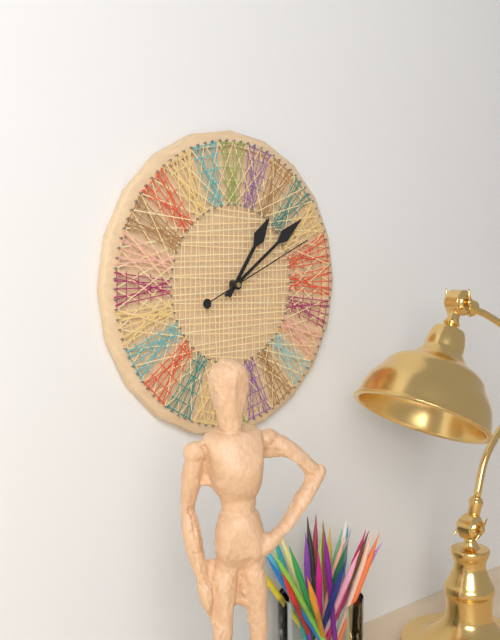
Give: 1h09m11s
